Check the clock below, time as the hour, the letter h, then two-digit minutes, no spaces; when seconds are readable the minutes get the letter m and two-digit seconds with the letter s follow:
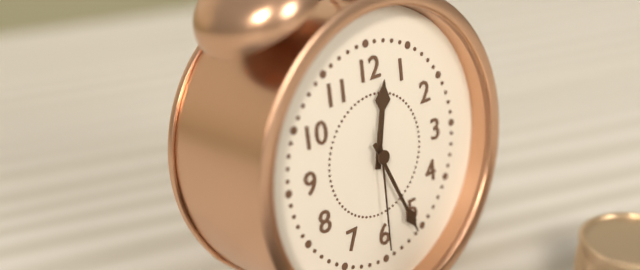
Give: 12h26m30s
